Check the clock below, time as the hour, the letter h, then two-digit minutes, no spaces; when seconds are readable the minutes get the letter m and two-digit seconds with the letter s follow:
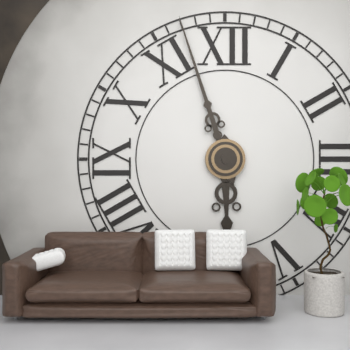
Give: 5h57
